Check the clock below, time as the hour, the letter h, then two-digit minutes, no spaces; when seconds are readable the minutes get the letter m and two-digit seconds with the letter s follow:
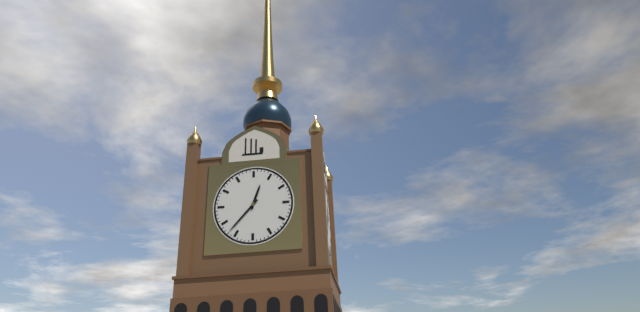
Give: 12h37
